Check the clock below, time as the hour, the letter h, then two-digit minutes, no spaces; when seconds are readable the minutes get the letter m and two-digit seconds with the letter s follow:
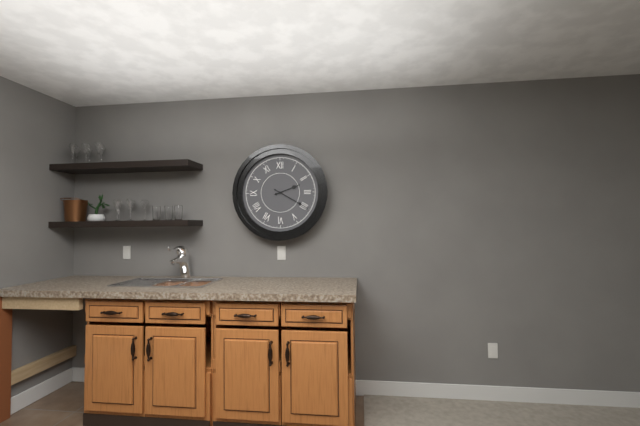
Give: 2h20
